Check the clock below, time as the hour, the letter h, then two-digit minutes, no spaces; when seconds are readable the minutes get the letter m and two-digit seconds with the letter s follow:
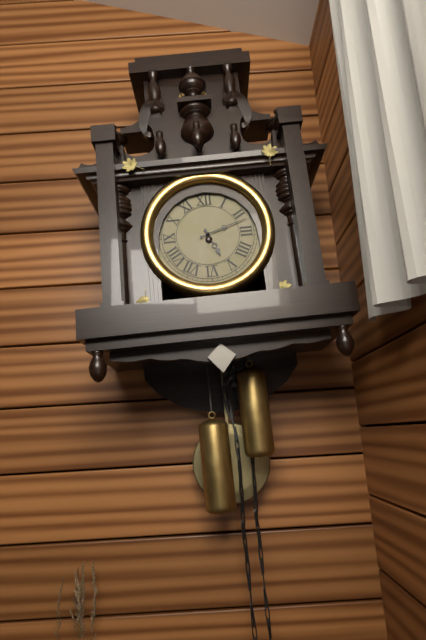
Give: 5h12
